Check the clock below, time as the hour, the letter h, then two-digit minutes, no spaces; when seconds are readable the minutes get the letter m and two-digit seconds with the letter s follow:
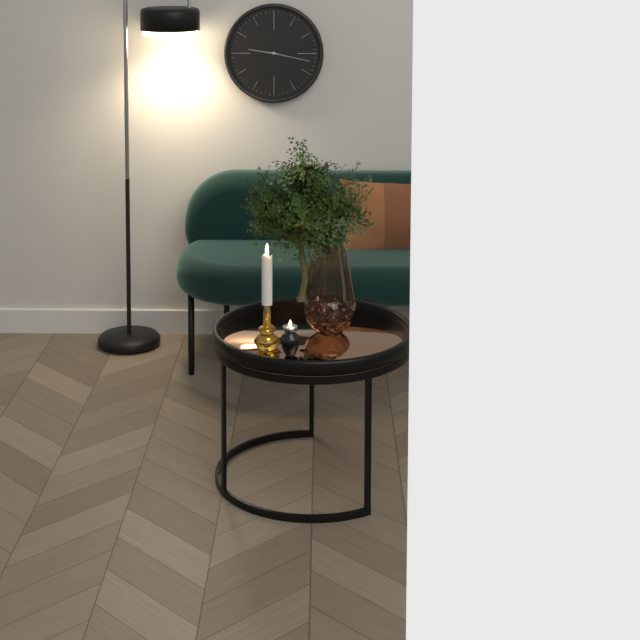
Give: 9h17
